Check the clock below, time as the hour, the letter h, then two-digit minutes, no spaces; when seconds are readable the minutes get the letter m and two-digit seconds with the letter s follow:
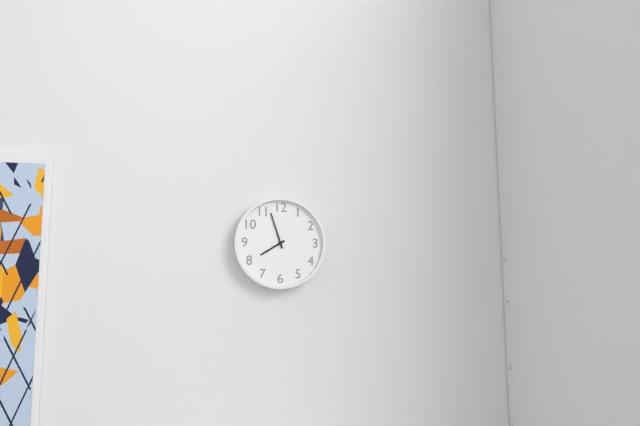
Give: 7h57
